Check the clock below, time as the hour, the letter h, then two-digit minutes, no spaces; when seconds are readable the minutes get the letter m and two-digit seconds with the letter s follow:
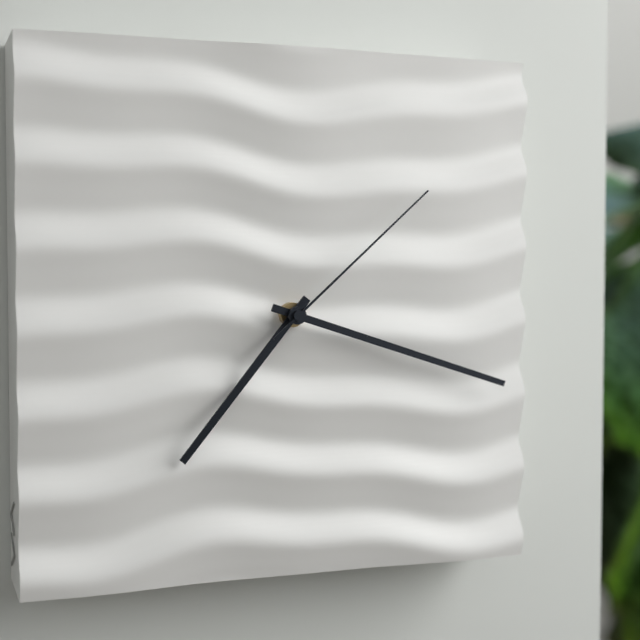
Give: 7h18m08s
